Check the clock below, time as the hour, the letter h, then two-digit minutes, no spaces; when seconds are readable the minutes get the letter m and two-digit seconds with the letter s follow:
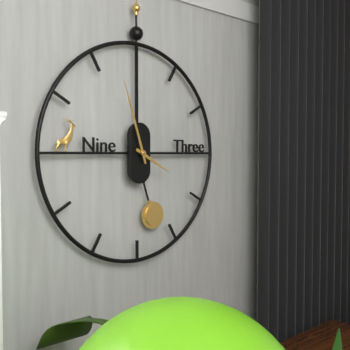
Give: 3h57
